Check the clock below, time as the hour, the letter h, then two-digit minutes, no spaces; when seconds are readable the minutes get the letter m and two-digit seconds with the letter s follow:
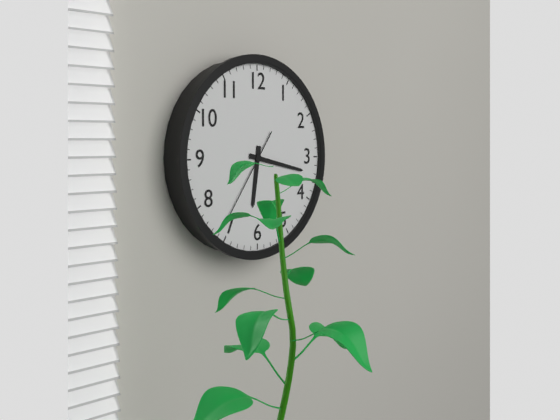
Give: 6h17m36s
